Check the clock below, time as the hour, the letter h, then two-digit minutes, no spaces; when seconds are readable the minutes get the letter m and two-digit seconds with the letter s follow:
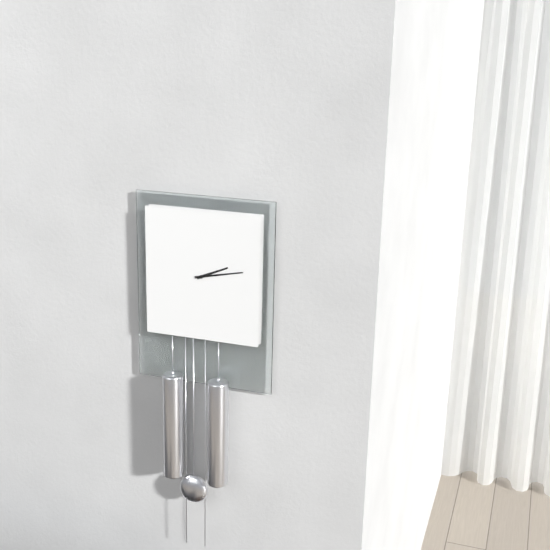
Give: 2h13
